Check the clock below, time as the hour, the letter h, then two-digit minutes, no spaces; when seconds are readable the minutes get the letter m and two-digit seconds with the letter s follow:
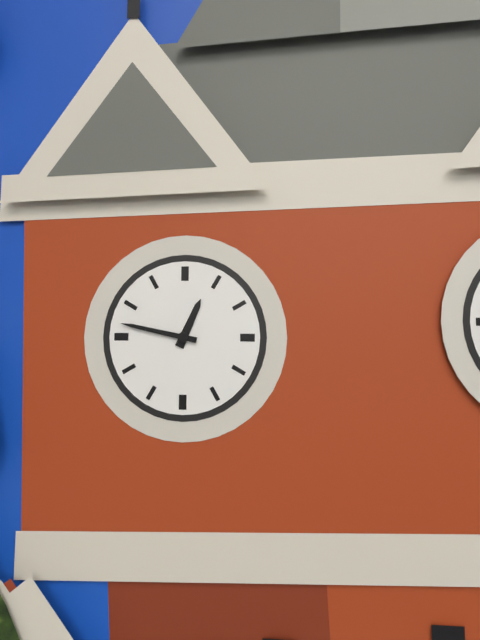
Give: 12h47
